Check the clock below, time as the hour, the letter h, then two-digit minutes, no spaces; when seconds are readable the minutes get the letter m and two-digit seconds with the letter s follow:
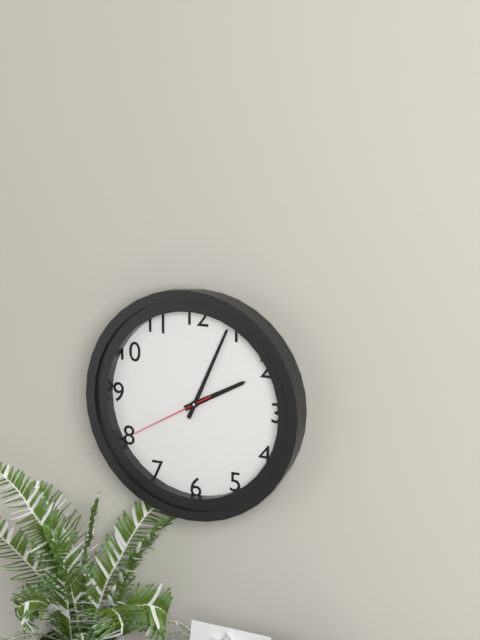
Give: 2h04m40s
